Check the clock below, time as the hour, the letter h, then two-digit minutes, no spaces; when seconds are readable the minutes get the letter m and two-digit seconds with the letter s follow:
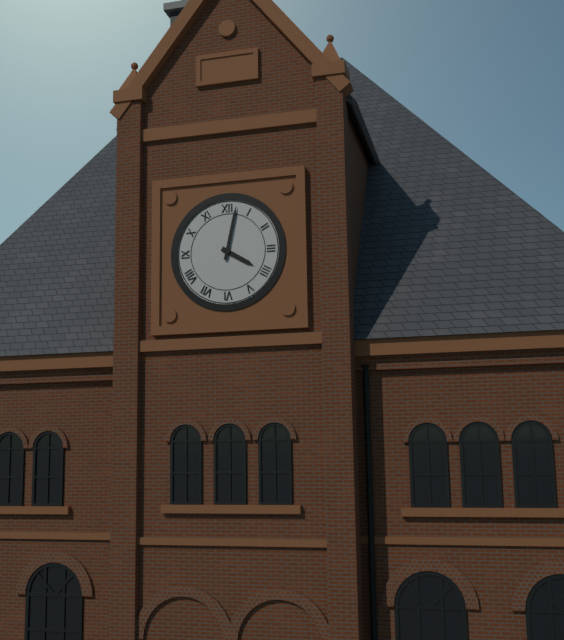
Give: 4h02
